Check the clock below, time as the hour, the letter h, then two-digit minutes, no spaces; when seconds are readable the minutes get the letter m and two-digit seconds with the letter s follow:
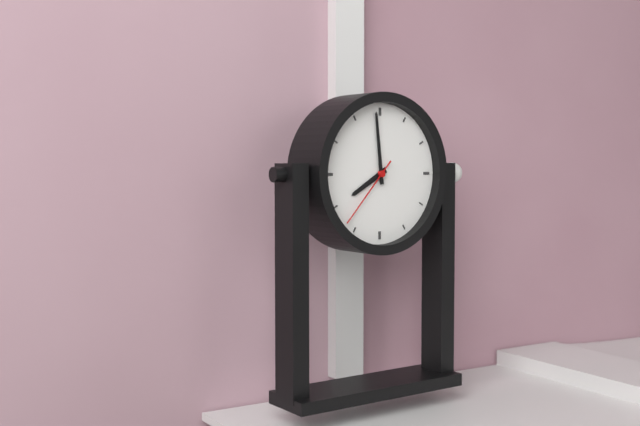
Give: 7h59m37s
